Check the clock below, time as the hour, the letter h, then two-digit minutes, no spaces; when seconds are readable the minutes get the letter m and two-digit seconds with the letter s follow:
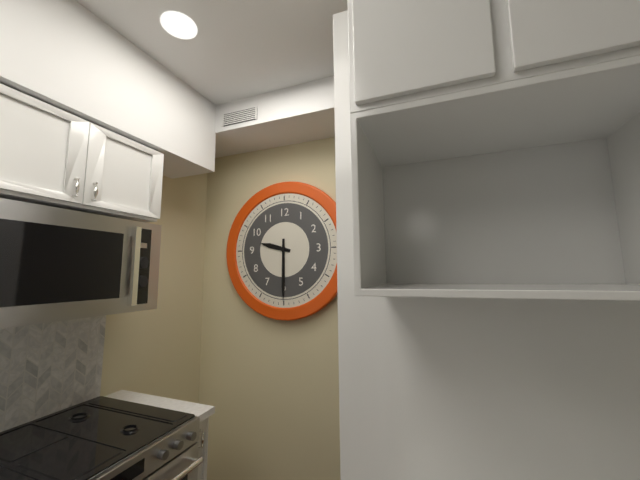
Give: 9h30
